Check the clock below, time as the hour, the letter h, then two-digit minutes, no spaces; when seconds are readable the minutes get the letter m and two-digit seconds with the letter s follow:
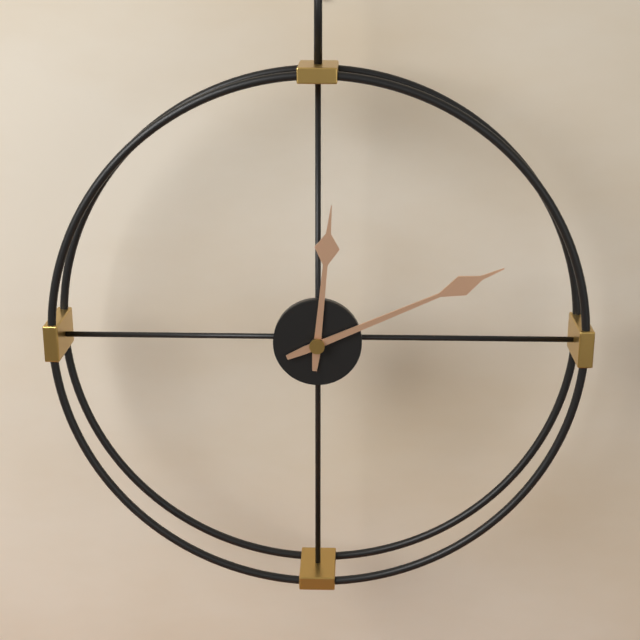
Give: 12h11
